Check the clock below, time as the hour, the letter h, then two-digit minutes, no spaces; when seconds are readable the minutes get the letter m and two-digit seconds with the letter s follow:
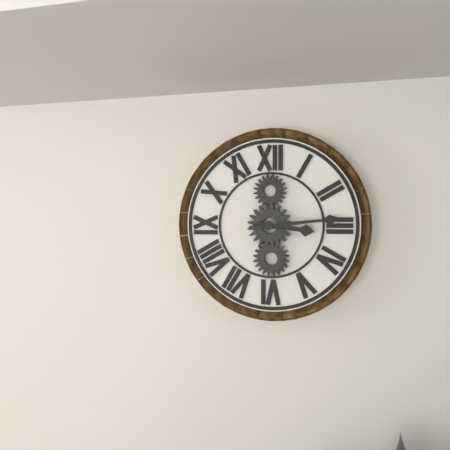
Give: 3h14
